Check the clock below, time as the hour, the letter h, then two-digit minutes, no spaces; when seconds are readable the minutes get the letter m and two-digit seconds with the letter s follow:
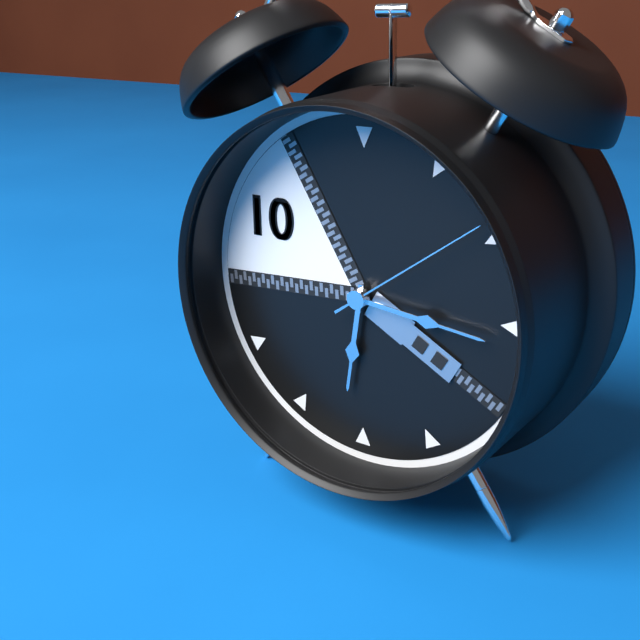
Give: 6h16m09s
